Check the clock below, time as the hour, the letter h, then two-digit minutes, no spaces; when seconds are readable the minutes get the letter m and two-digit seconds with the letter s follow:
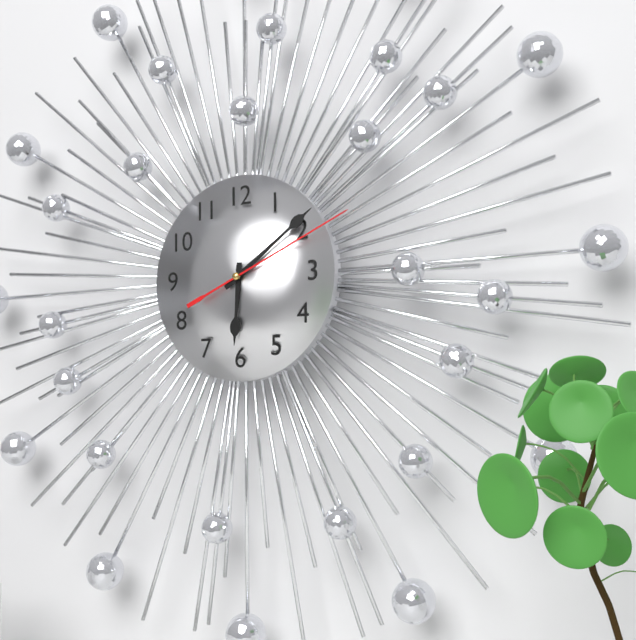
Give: 6h09m11s
